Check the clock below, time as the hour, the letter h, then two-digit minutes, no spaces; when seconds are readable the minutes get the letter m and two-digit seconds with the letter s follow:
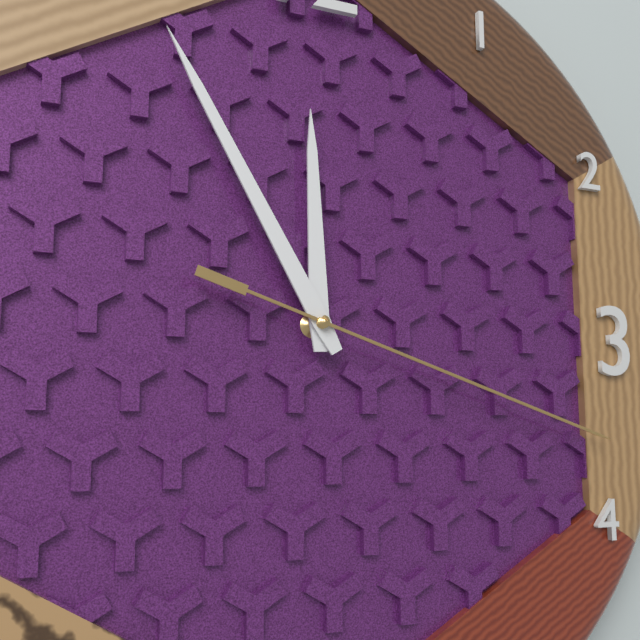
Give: 11h55m18s
